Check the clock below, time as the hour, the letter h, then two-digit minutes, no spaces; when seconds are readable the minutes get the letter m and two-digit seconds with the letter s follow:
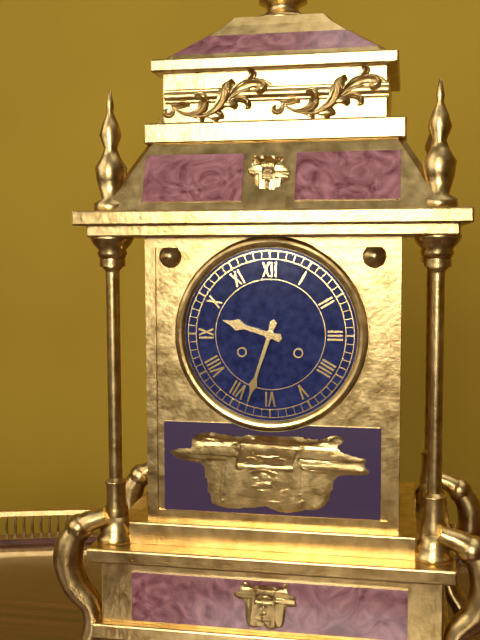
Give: 9h33
